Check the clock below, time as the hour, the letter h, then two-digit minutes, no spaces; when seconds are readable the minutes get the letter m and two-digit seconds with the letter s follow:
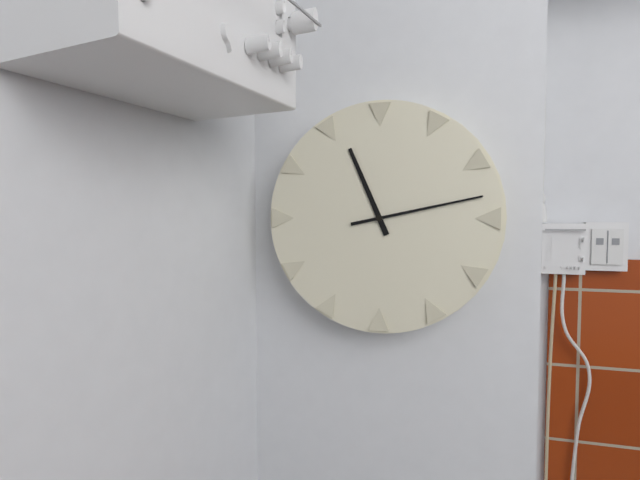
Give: 11h13
